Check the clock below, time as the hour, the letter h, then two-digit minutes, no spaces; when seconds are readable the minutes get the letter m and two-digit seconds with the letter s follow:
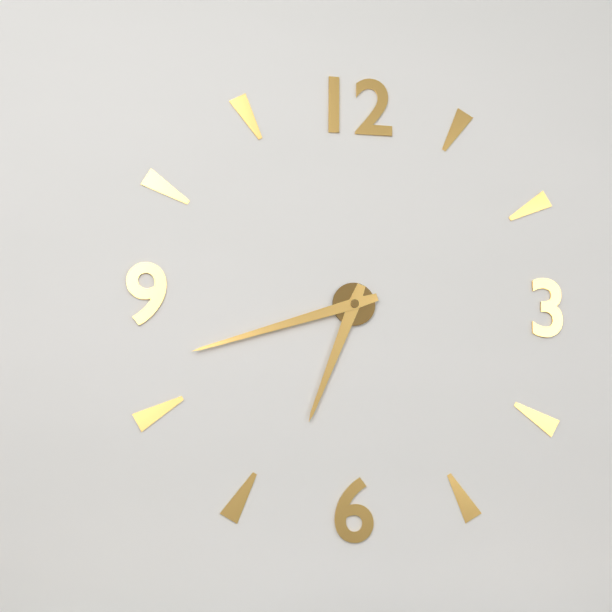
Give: 6h42
